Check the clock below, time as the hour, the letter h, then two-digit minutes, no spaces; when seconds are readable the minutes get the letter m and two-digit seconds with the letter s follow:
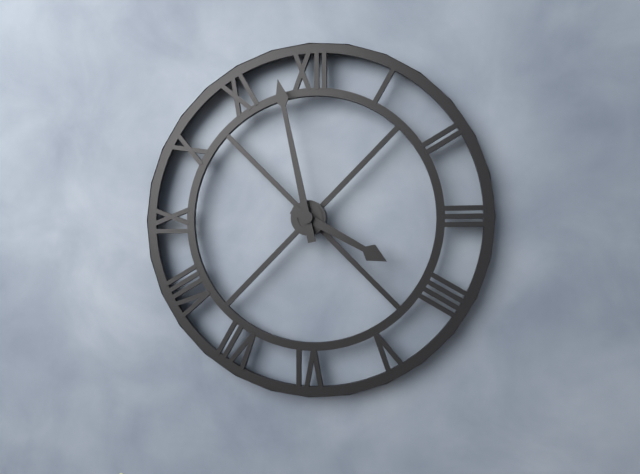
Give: 3h58
